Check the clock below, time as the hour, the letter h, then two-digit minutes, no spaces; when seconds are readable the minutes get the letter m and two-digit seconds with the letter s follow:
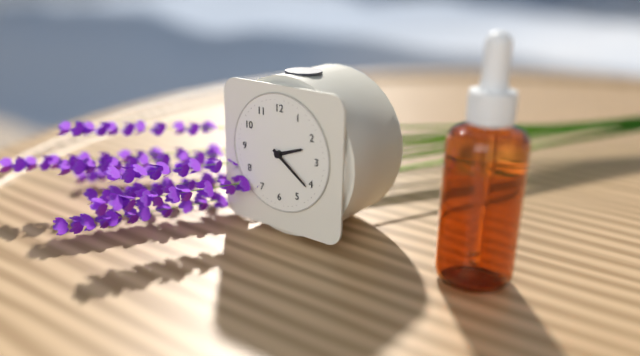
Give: 2h21
